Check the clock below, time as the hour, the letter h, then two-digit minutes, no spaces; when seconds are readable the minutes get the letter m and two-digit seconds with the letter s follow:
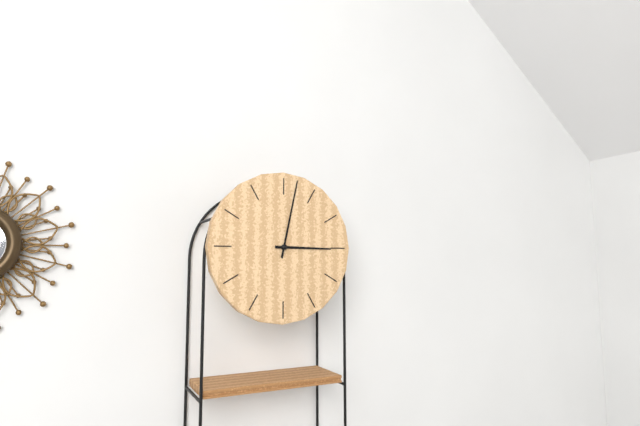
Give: 3h02
